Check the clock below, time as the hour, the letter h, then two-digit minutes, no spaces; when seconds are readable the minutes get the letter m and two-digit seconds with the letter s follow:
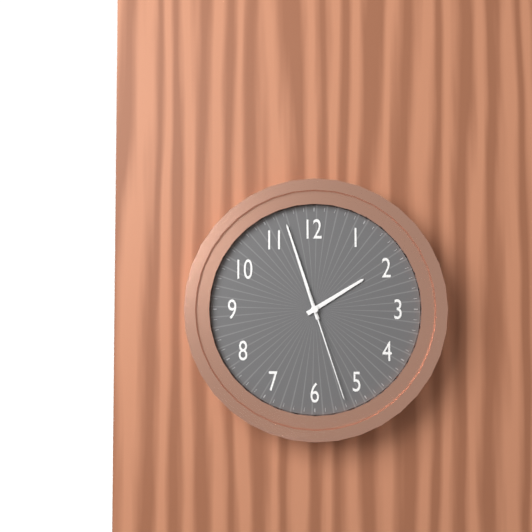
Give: 1h57m27s
